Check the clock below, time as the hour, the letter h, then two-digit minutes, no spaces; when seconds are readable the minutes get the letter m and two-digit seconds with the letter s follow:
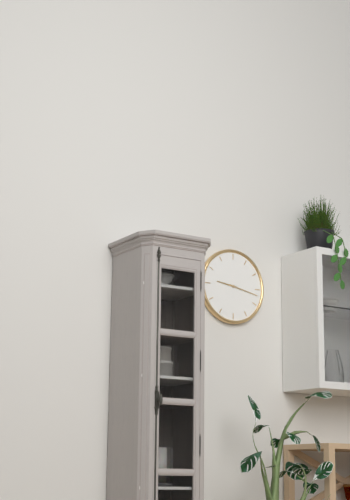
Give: 9h17
